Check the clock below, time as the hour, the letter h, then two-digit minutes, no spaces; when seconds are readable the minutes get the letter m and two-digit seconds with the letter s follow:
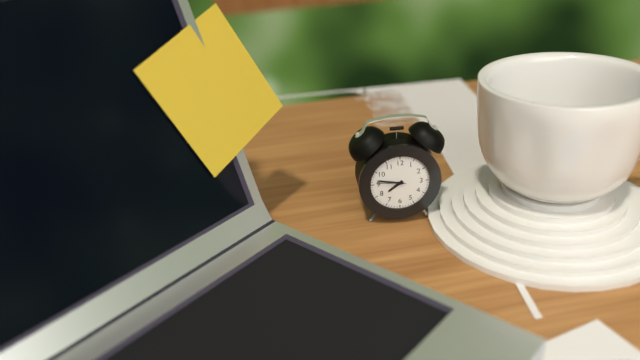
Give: 7h47
